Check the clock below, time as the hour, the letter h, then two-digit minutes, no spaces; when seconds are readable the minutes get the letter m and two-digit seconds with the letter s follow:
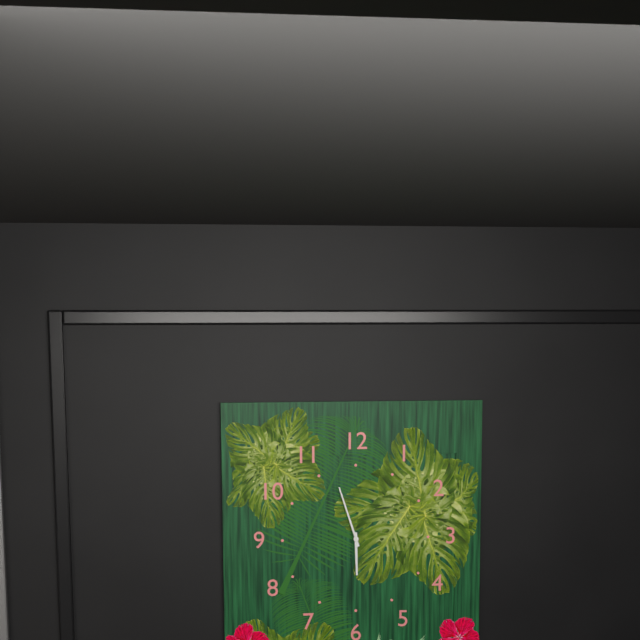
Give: 5h57
